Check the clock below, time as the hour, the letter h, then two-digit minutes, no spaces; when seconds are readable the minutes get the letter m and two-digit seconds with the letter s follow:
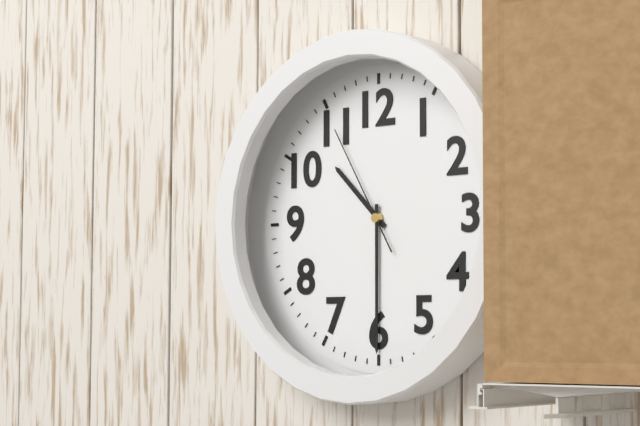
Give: 10h30m55s
